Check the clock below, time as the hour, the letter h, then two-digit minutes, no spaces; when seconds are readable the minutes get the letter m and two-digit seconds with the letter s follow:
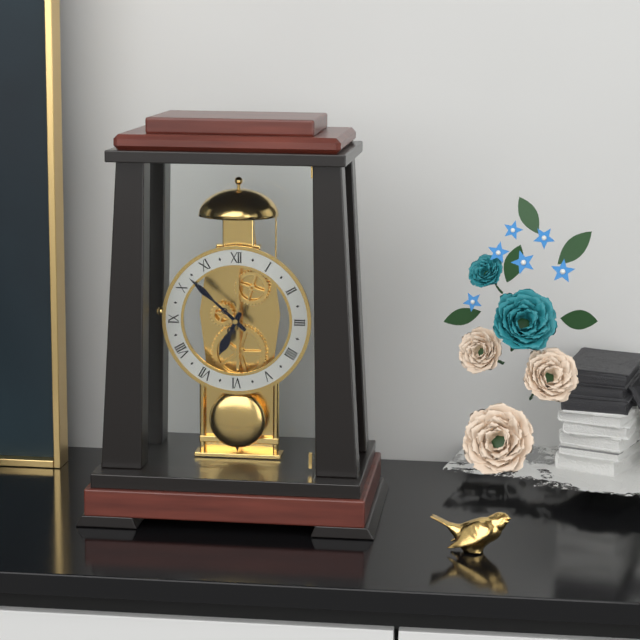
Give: 6h52
